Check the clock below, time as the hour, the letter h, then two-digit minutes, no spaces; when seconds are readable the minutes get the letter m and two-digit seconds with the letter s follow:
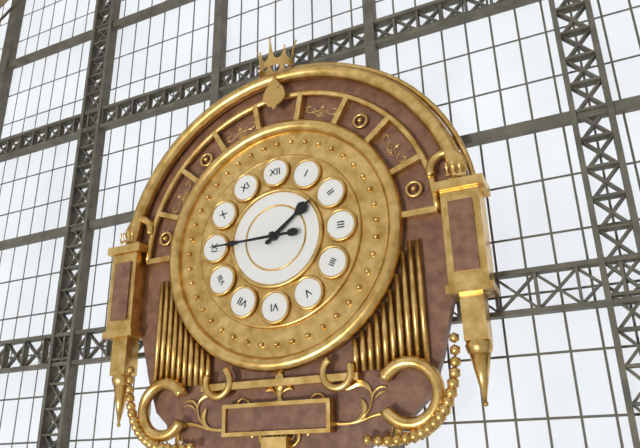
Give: 1h45
